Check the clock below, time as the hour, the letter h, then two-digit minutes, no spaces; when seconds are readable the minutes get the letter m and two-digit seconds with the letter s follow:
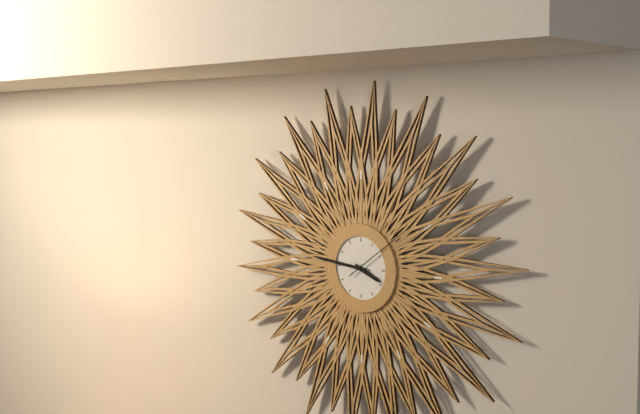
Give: 3h46m09s
